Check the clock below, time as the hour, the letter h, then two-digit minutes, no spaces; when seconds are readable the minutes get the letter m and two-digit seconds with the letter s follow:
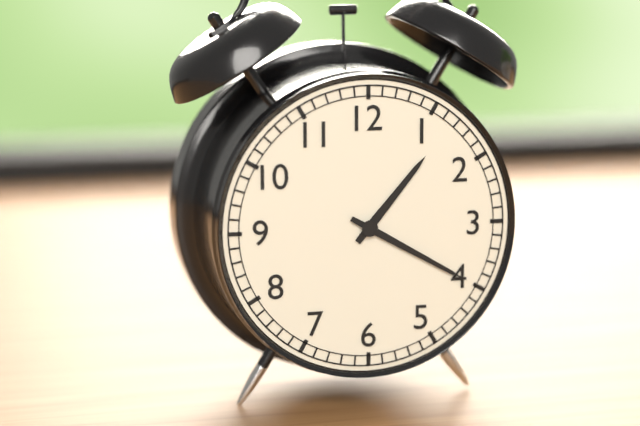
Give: 1h20
